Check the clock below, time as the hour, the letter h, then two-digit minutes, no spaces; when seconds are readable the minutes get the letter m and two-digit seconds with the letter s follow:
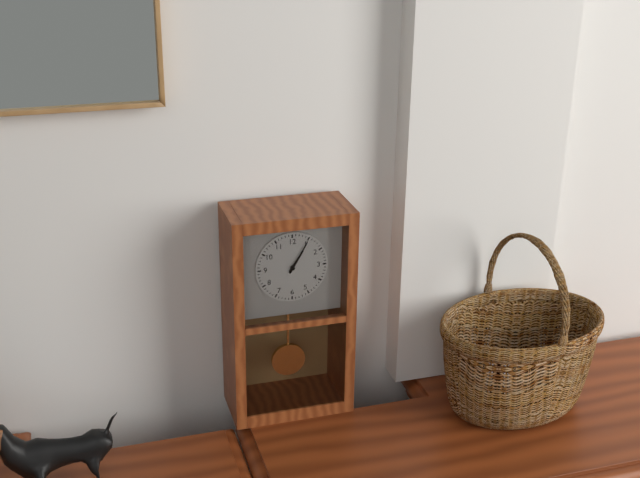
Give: 1h05
